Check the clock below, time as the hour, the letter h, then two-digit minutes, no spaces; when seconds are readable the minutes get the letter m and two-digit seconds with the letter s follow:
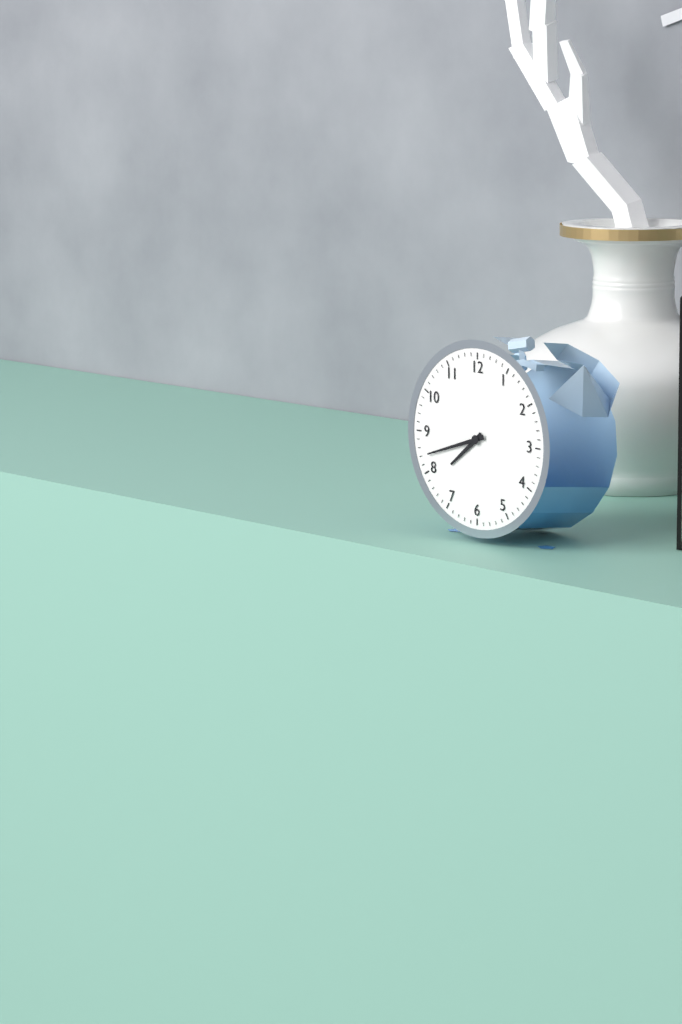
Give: 7h42
